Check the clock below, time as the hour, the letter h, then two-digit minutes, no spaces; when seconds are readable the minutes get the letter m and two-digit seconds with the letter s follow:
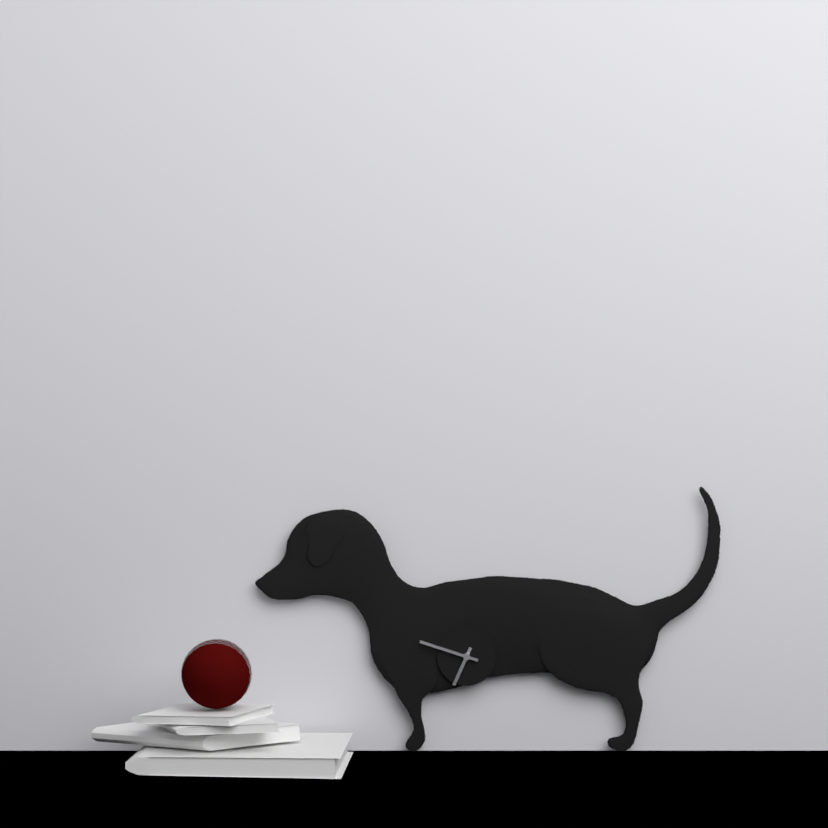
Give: 6h48
